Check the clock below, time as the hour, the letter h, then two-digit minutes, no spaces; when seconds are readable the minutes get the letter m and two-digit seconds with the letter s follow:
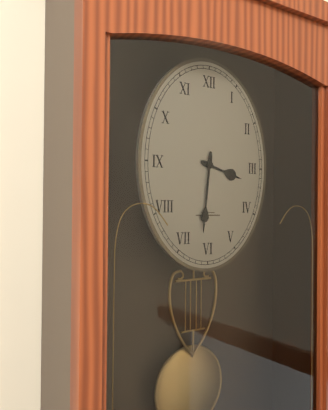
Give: 3h31
